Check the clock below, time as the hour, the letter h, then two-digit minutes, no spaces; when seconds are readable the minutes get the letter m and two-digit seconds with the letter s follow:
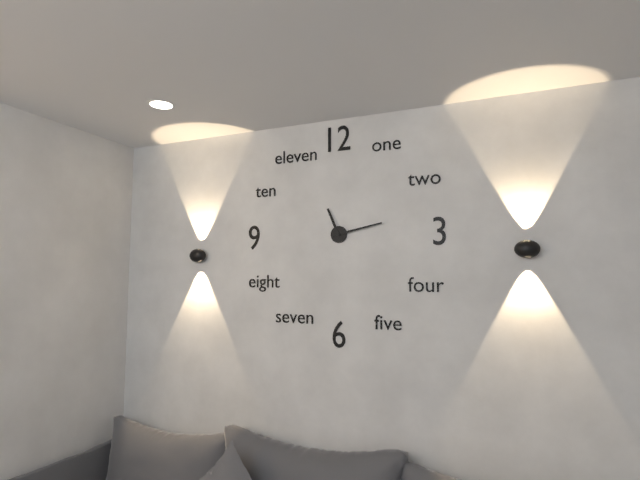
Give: 11h13
